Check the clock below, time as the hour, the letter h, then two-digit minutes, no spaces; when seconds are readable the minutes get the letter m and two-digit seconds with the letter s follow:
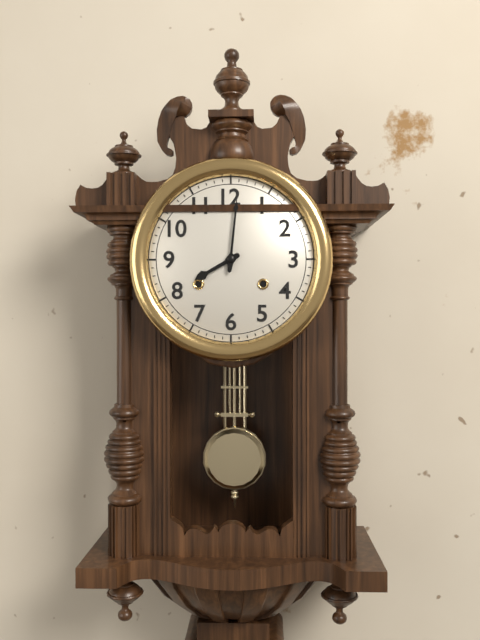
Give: 8h01
